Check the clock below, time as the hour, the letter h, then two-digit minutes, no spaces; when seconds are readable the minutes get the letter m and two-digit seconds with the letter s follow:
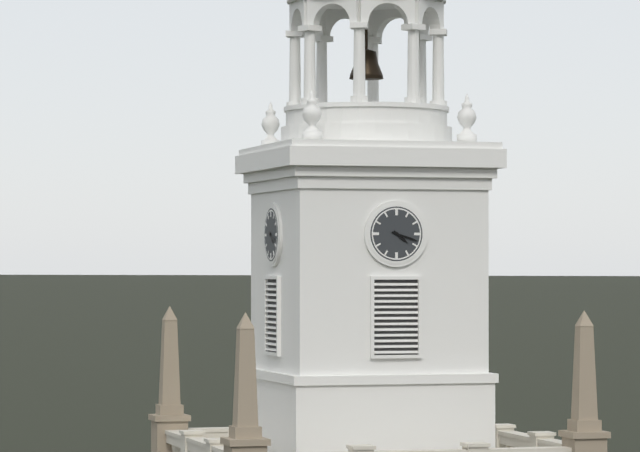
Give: 4h18
